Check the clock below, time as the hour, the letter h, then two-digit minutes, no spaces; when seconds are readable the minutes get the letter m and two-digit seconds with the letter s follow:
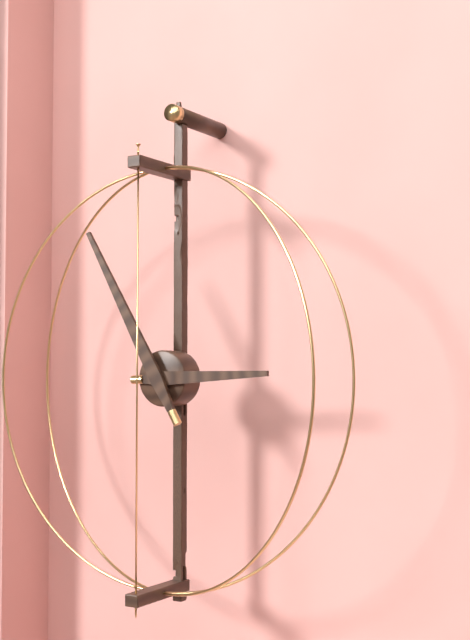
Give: 2h55
